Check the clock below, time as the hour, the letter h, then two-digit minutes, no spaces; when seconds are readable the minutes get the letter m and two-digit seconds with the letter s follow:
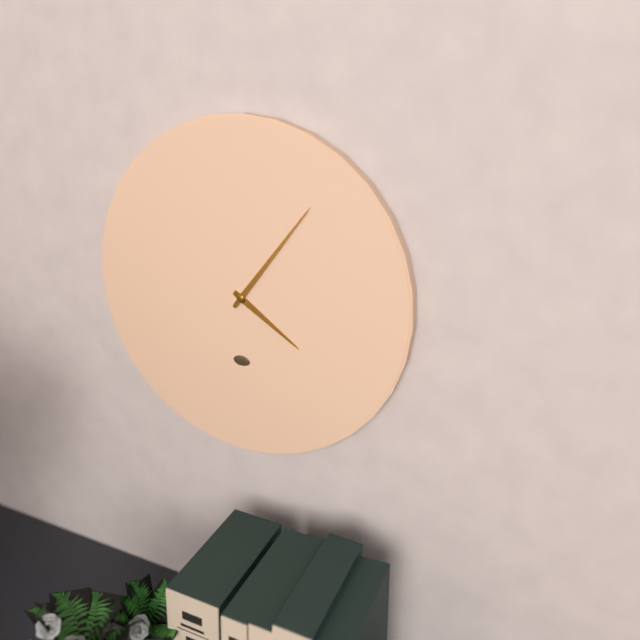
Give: 4h06
